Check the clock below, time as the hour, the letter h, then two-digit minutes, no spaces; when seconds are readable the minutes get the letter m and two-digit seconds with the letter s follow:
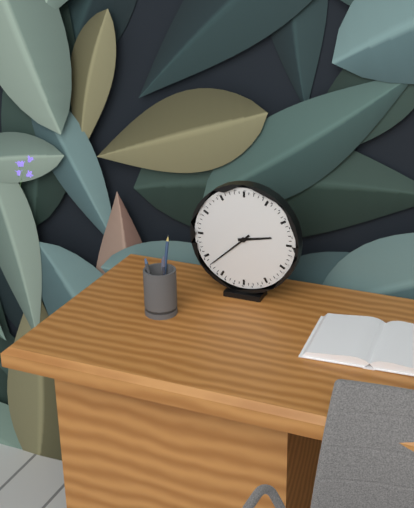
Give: 2h38
